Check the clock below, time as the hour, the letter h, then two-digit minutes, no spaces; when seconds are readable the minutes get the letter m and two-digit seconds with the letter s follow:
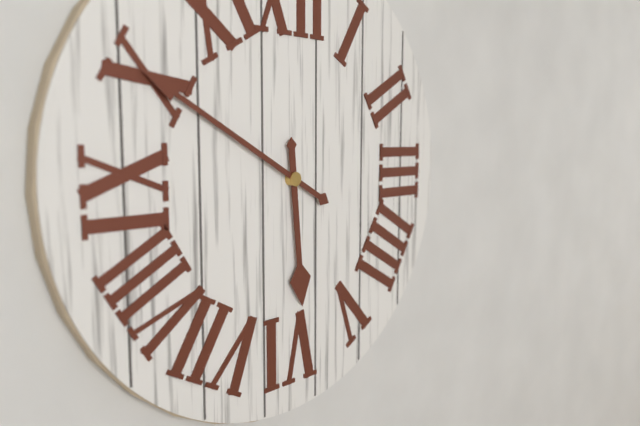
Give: 5h50
